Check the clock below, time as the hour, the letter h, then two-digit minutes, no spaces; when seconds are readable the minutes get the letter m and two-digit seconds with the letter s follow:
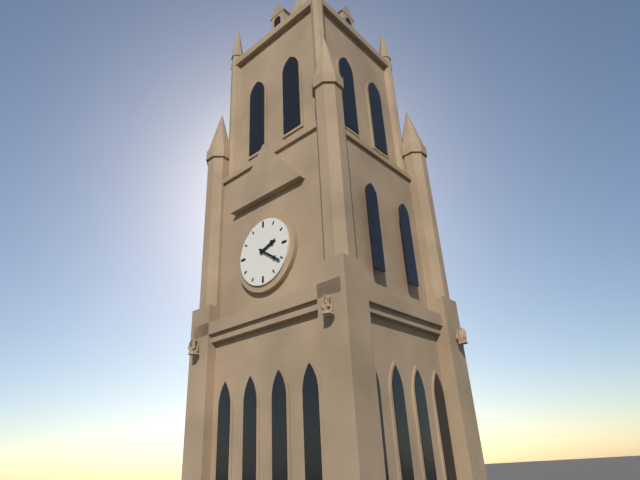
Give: 2h21
